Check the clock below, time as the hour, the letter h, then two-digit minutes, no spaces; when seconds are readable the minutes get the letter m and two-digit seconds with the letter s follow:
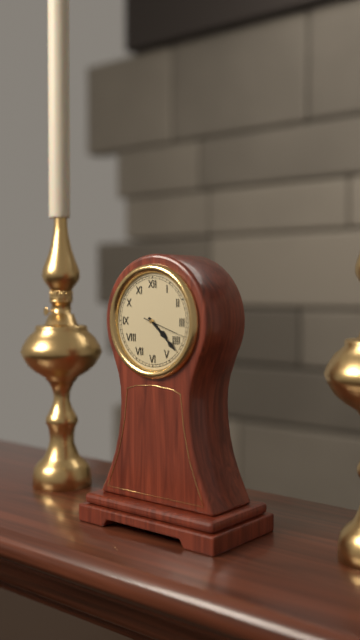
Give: 4h22
